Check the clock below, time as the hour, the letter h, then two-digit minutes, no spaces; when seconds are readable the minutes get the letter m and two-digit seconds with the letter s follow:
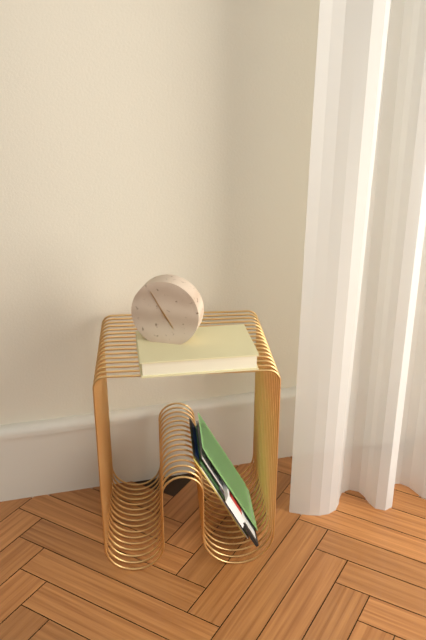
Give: 4h55
